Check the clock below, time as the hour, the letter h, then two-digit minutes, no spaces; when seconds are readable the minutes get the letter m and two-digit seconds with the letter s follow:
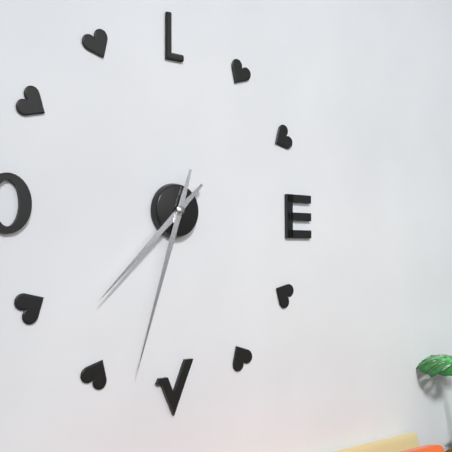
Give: 7h33
